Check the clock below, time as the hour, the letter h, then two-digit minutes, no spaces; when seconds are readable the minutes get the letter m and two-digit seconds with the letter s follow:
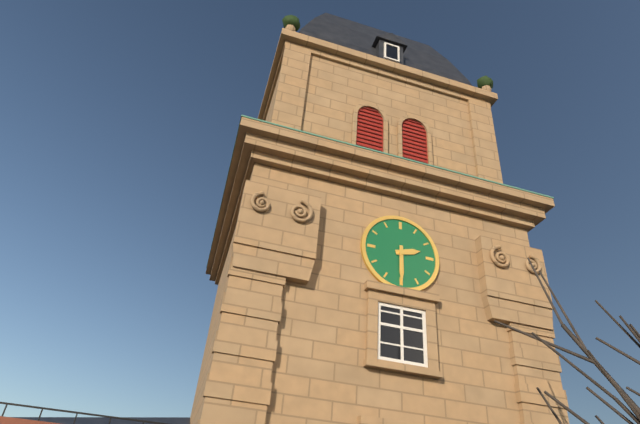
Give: 2h30
